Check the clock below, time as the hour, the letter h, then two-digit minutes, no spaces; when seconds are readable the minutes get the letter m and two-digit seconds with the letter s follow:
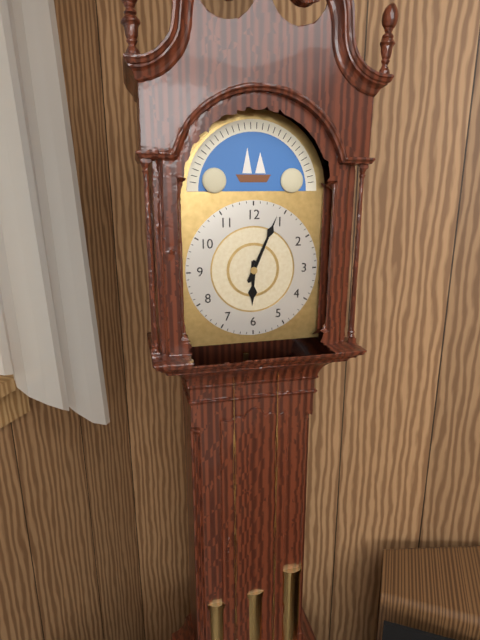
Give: 6h04
